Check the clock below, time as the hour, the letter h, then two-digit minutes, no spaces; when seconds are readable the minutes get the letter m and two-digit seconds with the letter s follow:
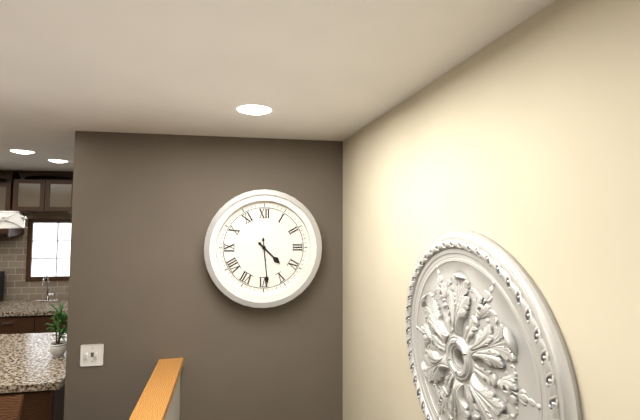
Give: 4h29
